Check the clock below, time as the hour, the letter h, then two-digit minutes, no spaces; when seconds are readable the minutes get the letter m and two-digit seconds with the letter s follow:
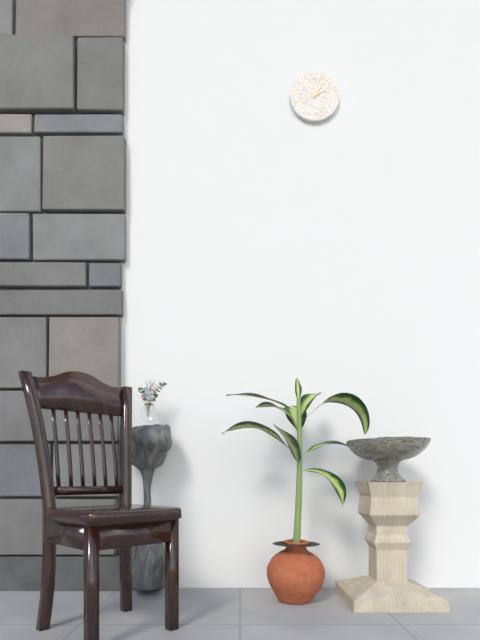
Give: 2h05
